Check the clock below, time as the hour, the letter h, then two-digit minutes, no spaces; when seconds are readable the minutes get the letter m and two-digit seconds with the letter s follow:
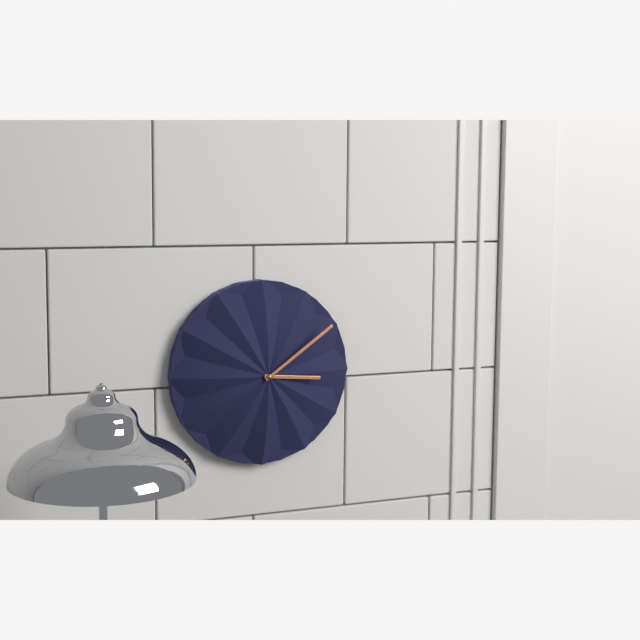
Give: 3h09
